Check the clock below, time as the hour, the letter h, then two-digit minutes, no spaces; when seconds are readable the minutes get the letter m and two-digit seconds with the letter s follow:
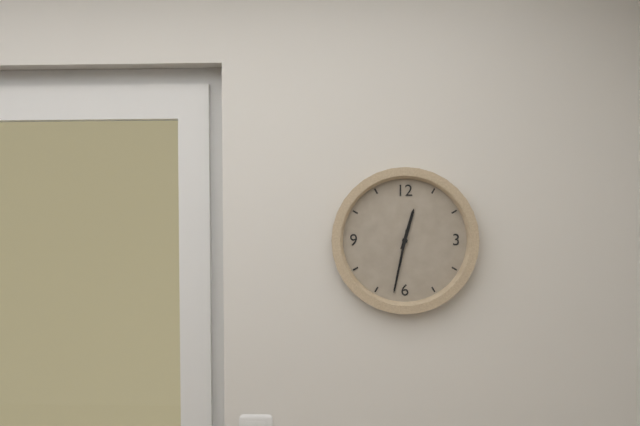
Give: 12h32
